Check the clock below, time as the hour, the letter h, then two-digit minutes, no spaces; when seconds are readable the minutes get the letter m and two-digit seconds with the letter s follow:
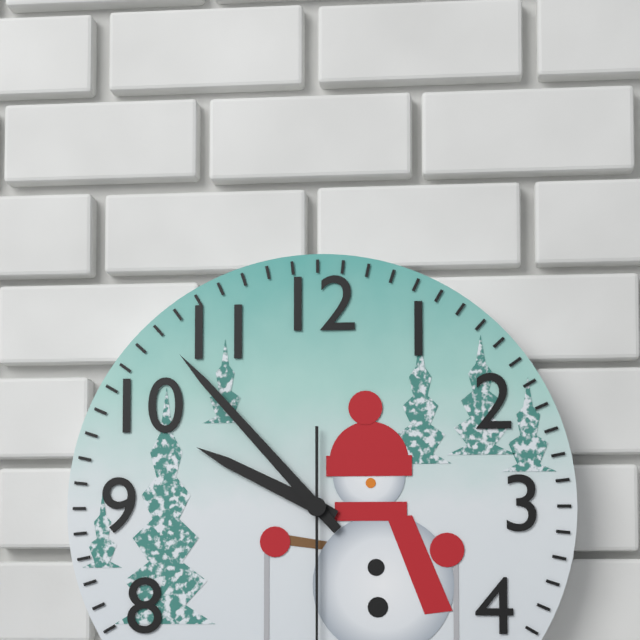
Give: 9h53
